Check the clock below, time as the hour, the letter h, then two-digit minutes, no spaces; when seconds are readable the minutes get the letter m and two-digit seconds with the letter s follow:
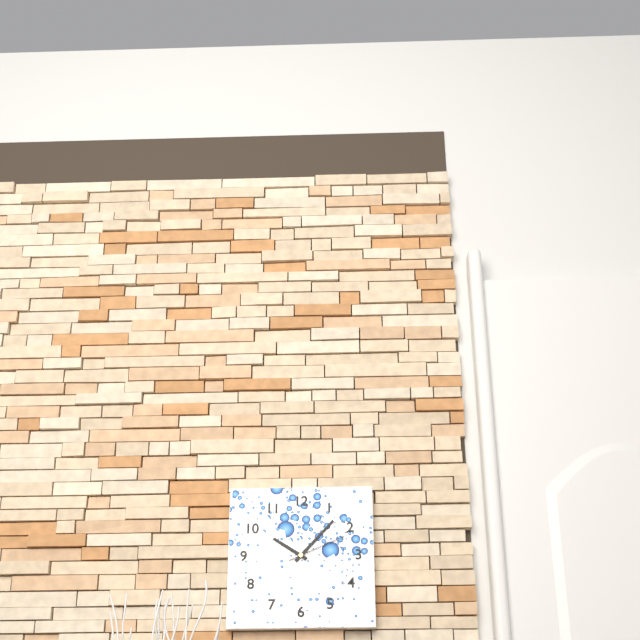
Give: 10h07m11s
